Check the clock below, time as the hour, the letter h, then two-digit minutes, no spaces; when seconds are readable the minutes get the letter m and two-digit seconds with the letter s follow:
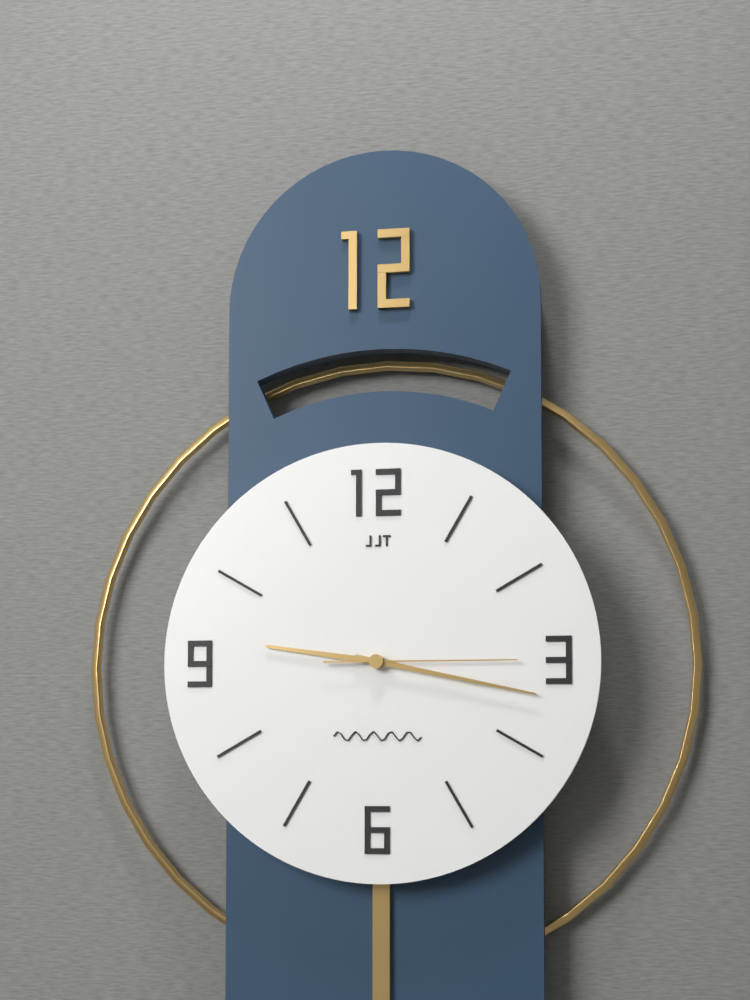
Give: 9h17m15s
